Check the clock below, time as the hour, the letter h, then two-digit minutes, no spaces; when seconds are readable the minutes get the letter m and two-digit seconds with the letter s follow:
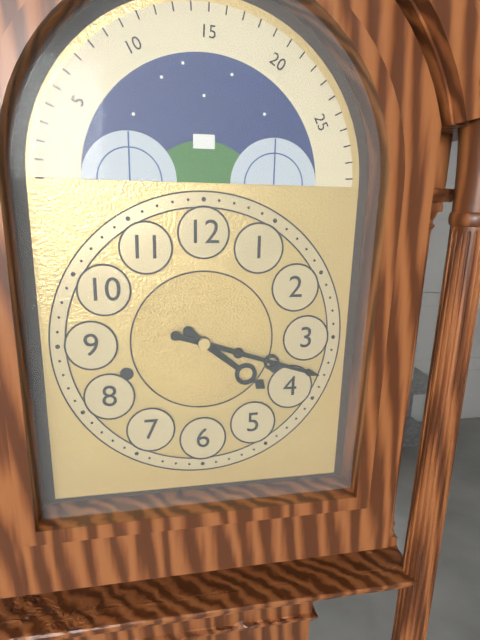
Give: 4h18
